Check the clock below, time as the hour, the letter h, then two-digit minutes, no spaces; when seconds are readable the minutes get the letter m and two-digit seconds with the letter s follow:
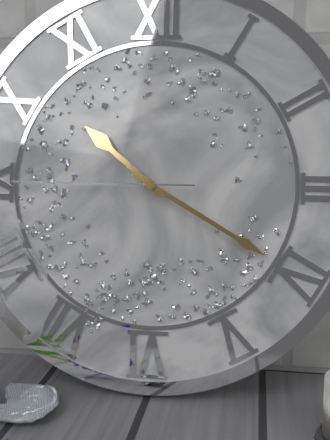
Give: 10h20m45s
